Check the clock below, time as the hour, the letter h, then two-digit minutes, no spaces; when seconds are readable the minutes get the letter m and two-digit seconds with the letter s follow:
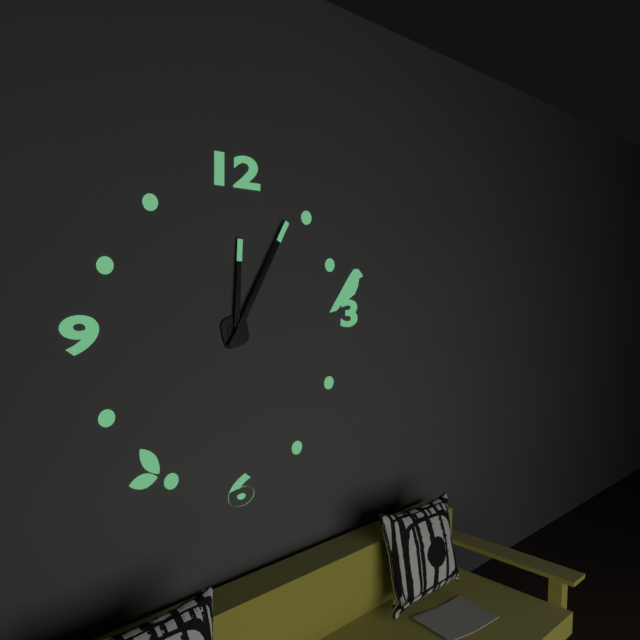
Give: 12h05
